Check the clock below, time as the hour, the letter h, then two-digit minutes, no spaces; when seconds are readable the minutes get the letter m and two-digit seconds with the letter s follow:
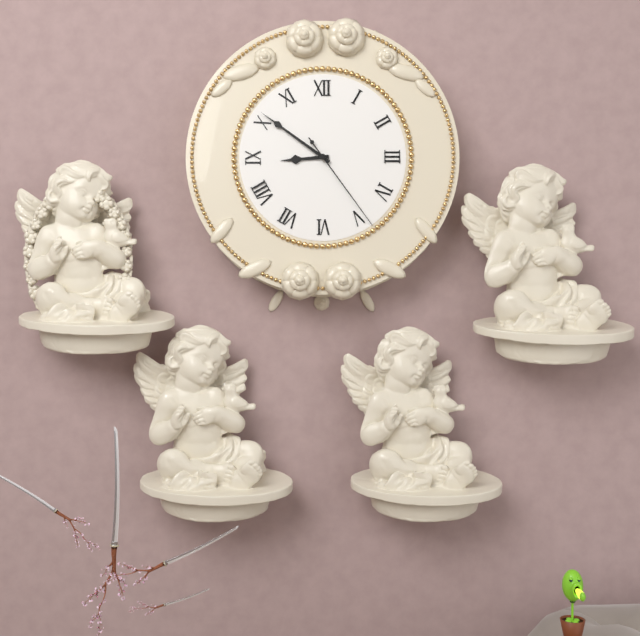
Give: 8h51m24s
